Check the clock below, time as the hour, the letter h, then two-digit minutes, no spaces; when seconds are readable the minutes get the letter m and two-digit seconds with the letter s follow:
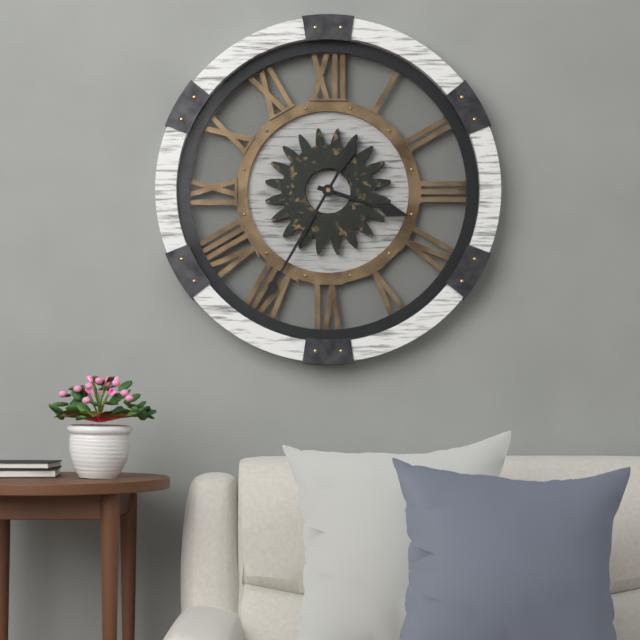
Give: 3h35
